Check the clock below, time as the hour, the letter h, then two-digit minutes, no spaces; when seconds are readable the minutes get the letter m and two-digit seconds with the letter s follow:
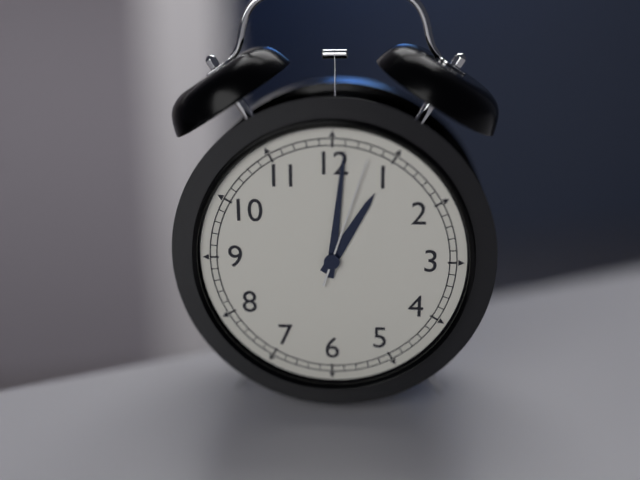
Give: 1h01m03s
